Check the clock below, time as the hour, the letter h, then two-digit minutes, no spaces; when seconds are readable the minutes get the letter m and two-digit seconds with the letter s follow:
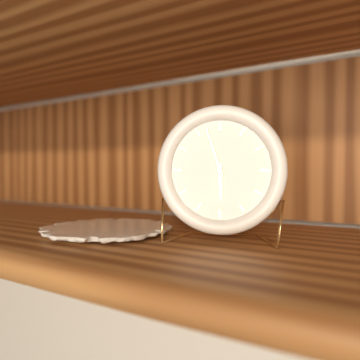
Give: 5h57
